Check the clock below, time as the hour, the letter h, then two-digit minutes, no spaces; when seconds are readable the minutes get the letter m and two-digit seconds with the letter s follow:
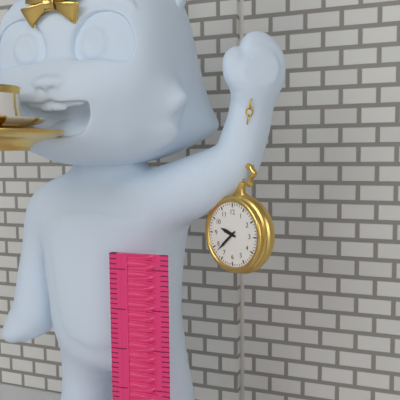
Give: 9h38
